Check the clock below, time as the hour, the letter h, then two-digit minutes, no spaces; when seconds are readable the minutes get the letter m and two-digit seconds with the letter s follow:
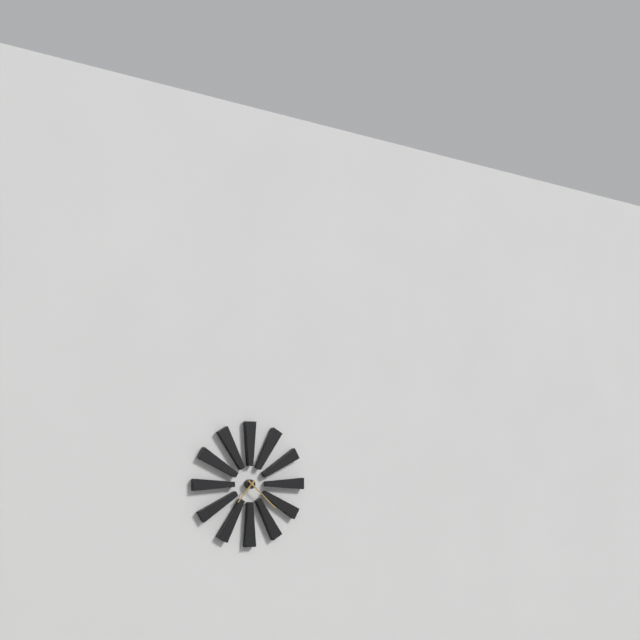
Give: 7h22
